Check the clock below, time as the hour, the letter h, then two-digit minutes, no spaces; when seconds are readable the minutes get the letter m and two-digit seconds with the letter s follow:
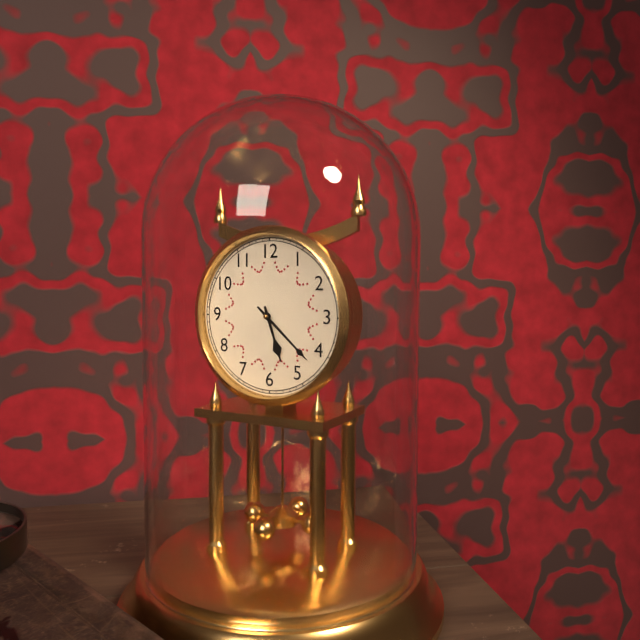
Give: 5h22
